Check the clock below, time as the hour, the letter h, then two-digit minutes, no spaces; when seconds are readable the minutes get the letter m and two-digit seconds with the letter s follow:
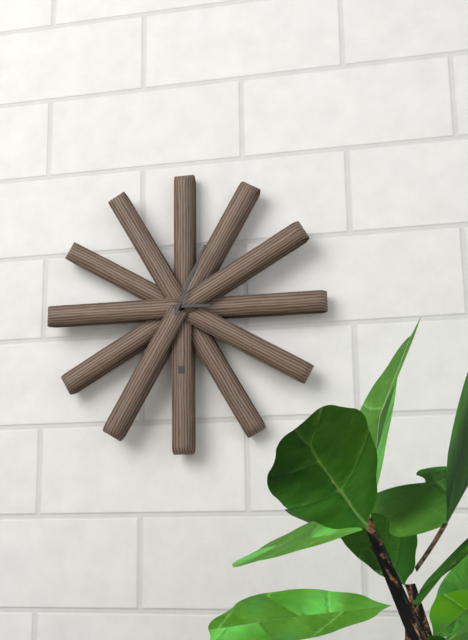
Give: 3h04
